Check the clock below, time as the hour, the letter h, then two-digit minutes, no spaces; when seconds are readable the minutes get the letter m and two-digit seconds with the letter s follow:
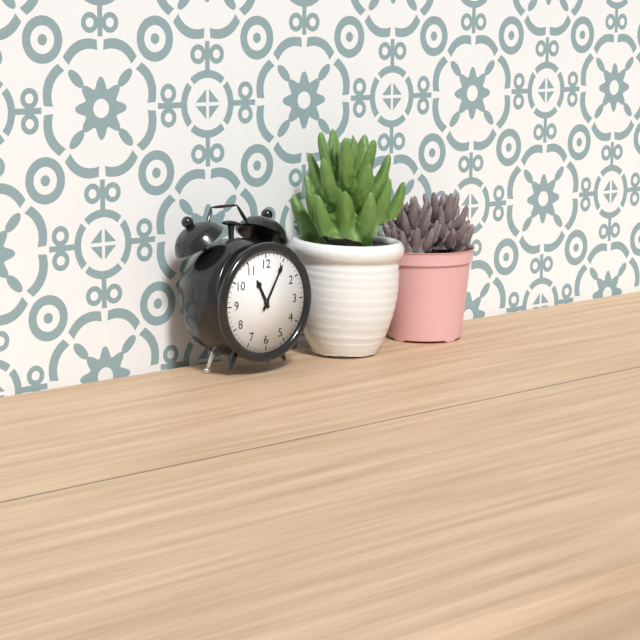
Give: 11h05
